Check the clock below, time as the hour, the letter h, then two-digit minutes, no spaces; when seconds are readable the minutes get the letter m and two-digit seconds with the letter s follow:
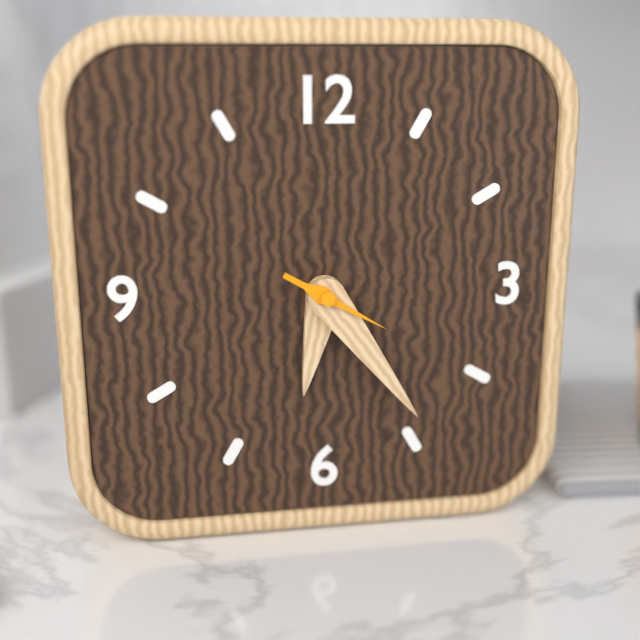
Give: 6h24m20s
